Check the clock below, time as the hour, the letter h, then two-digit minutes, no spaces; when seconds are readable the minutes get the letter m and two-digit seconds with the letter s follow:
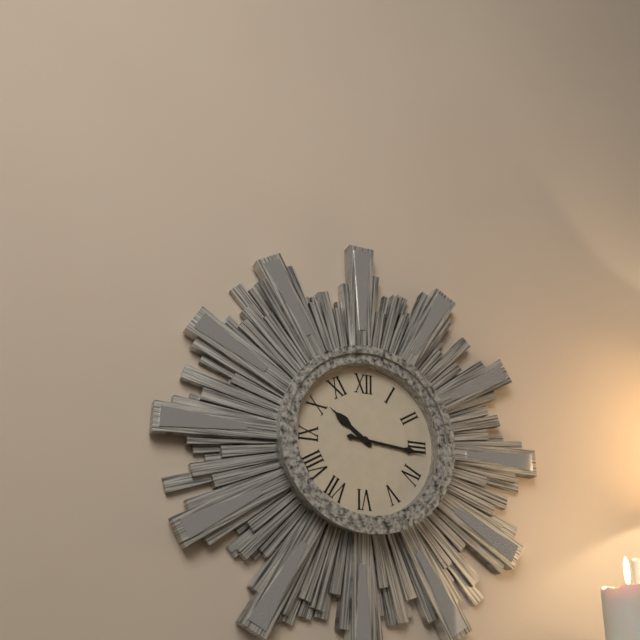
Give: 10h16
